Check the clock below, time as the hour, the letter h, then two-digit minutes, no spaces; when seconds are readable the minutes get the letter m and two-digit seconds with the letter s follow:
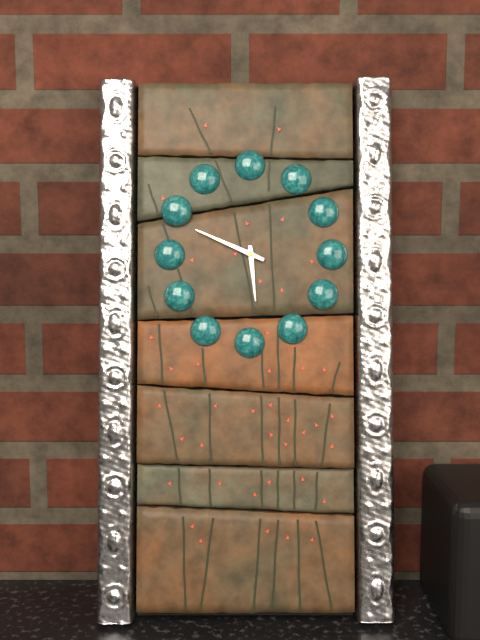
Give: 5h49
